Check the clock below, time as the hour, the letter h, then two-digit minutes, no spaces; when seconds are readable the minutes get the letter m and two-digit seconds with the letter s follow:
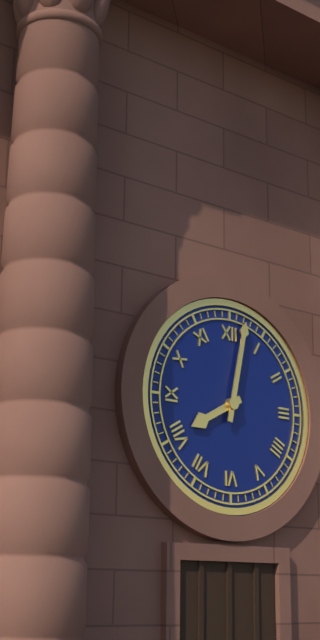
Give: 8h02
